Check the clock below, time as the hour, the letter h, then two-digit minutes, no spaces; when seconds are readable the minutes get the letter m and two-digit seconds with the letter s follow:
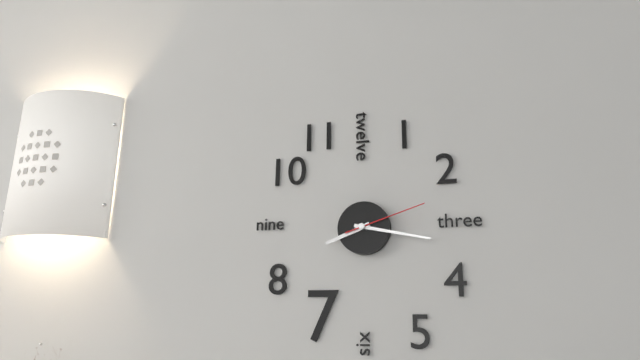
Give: 8h17m12s
